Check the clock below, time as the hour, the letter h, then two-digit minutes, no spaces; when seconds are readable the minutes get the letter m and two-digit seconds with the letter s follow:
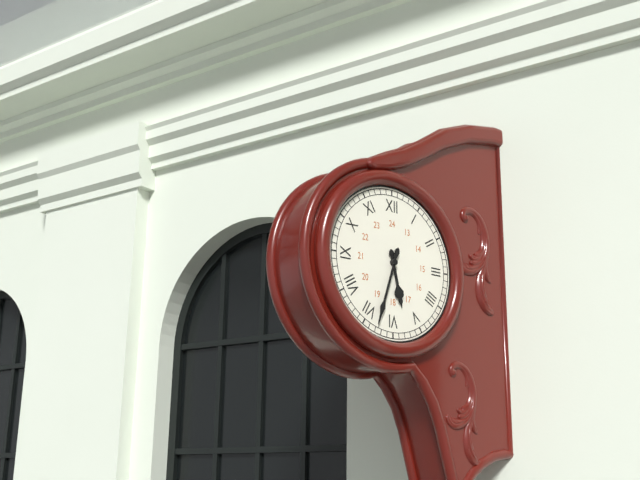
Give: 5h33
